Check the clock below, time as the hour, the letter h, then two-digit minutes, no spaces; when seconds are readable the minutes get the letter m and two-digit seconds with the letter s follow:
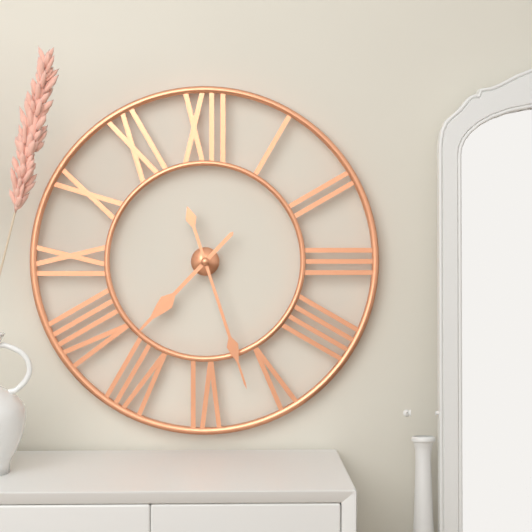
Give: 7h27
